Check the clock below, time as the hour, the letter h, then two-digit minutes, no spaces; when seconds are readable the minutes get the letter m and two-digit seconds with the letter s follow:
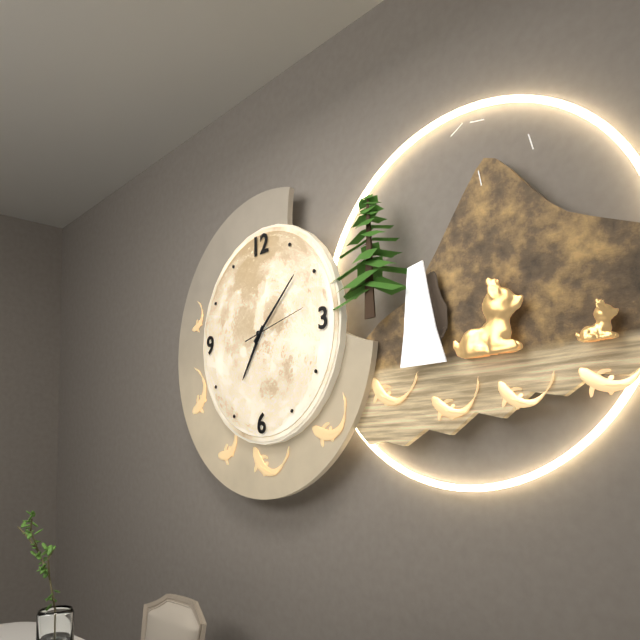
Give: 7h08m13s
